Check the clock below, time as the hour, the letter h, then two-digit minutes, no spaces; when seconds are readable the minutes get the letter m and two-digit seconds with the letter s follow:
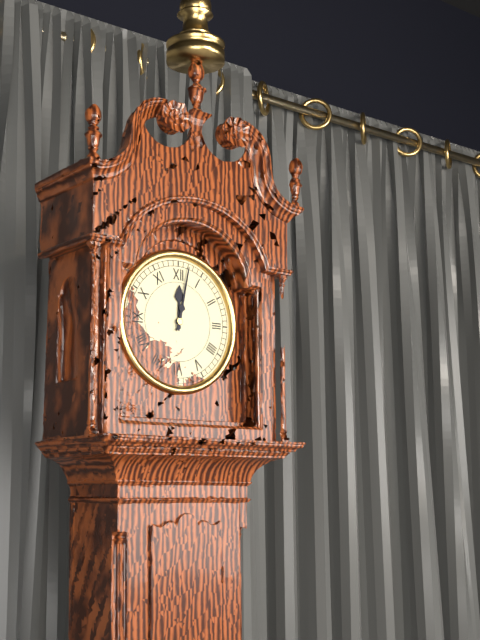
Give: 12h02
